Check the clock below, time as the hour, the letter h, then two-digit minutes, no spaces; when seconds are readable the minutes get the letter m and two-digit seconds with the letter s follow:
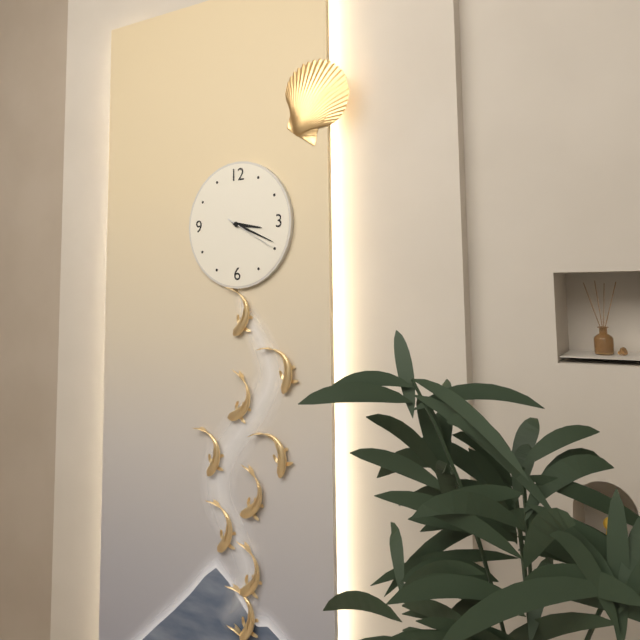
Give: 3h19m20s
